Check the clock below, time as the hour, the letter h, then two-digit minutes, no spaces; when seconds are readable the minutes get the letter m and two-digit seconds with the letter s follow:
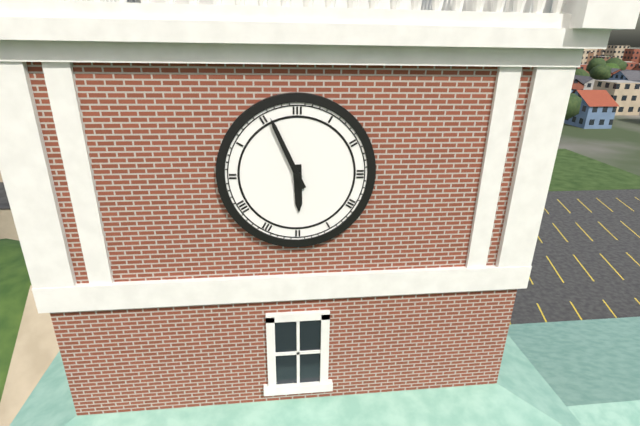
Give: 5h56
